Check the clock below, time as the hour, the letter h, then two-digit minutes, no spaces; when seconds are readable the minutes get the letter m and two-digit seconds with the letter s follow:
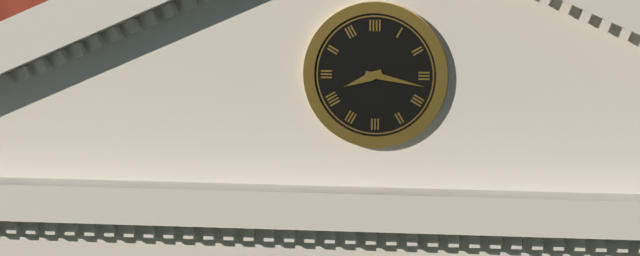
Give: 8h17
